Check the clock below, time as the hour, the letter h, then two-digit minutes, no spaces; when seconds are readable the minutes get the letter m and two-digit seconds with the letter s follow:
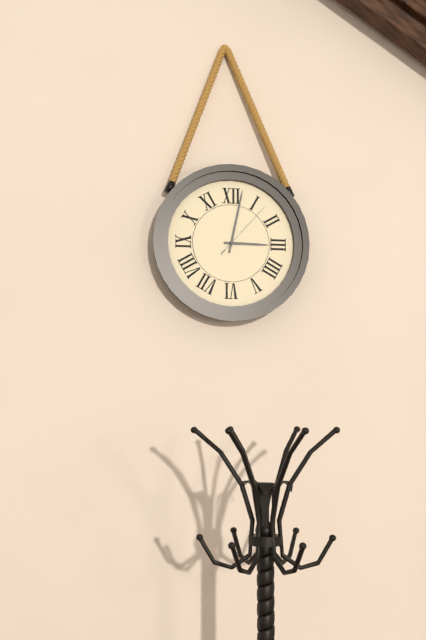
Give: 3h02m07s
